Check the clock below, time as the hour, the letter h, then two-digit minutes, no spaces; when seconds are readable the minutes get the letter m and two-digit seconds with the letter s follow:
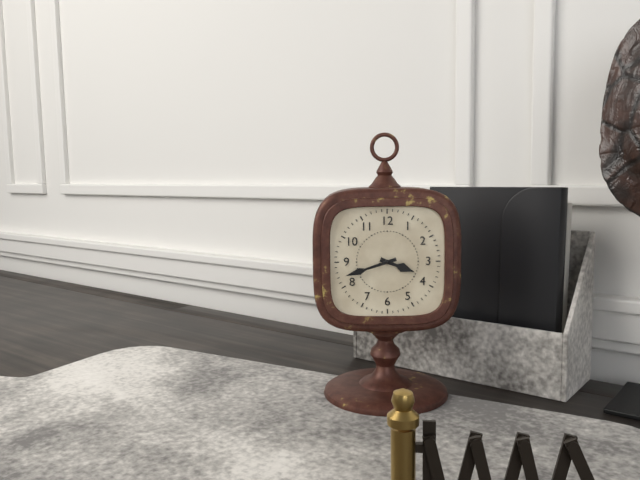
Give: 3h42
